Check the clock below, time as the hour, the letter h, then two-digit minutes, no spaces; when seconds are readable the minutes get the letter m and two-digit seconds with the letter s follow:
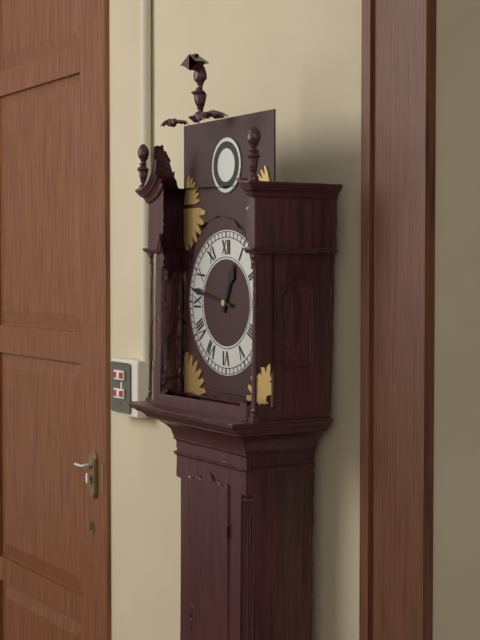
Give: 12h47
